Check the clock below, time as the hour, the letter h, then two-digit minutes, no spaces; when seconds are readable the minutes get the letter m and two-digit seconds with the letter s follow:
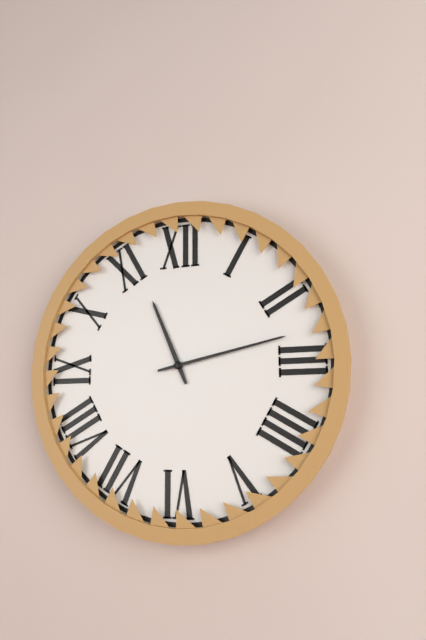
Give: 11h13
